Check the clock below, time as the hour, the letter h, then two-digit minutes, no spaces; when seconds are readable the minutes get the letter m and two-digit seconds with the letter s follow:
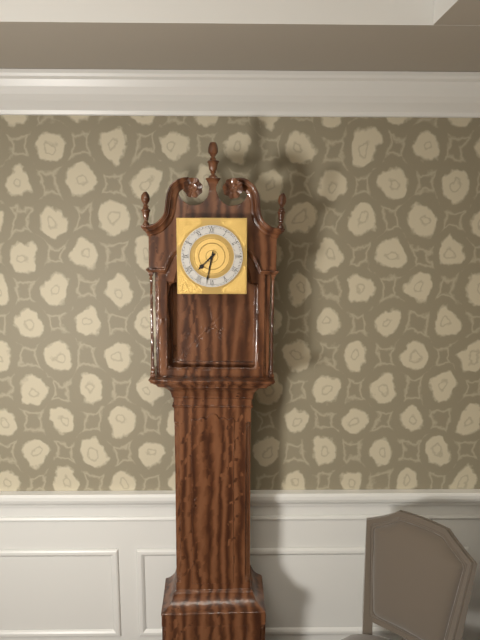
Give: 7h32
